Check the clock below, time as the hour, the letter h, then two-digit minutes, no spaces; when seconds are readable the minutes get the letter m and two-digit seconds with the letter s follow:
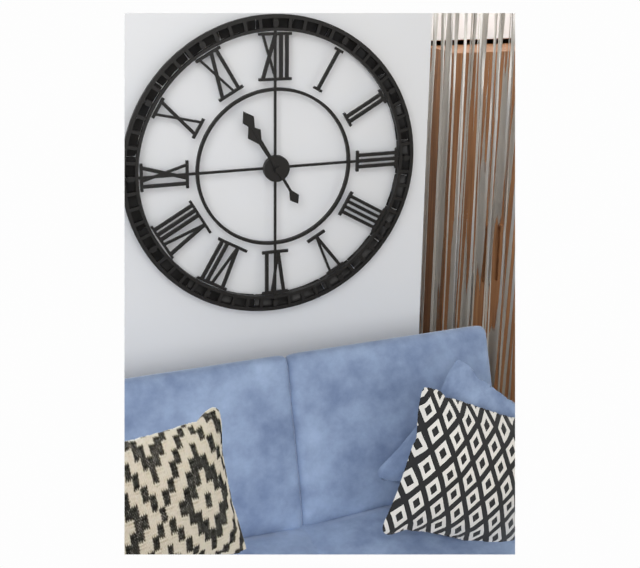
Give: 10h55
